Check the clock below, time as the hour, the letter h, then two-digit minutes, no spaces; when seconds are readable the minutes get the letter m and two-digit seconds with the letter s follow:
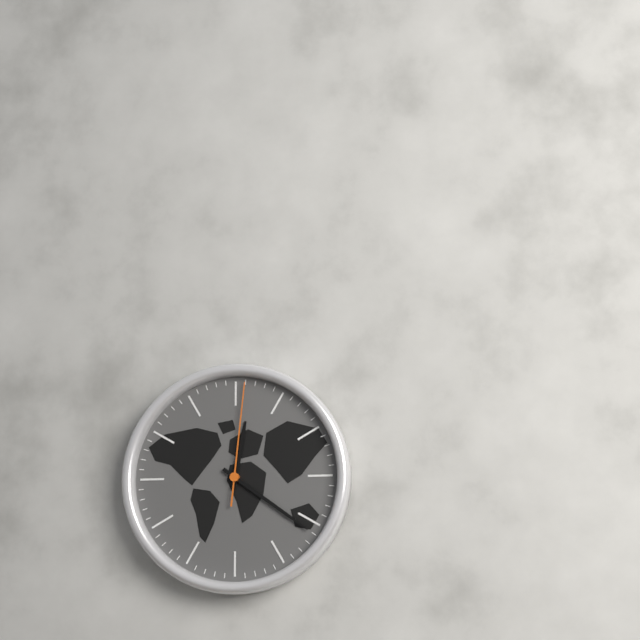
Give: 12h21m01s
